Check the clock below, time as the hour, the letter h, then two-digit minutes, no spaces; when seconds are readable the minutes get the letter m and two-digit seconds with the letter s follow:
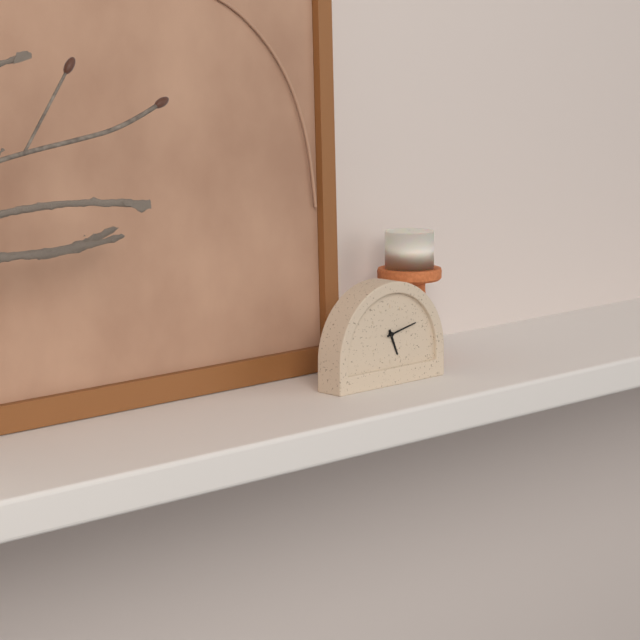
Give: 5h13
